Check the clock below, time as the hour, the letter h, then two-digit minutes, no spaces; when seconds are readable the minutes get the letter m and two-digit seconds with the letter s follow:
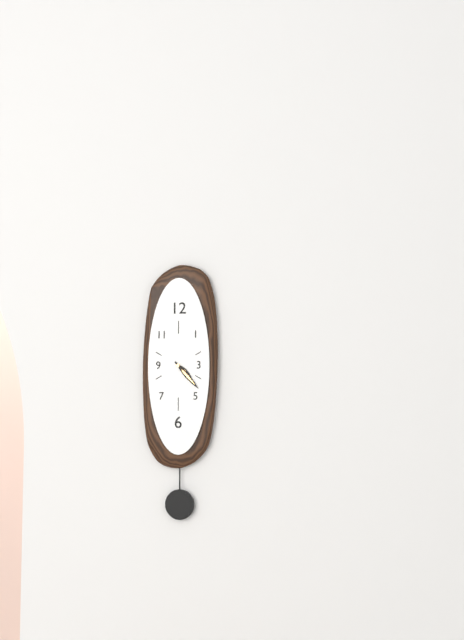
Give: 4h23
